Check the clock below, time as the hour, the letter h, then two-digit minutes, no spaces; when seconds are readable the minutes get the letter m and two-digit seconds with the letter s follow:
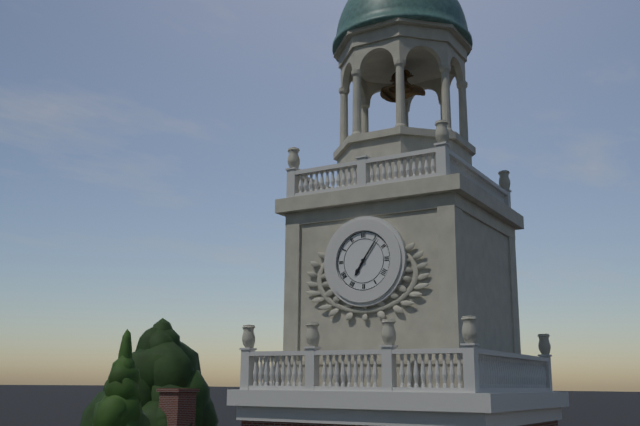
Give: 7h06
